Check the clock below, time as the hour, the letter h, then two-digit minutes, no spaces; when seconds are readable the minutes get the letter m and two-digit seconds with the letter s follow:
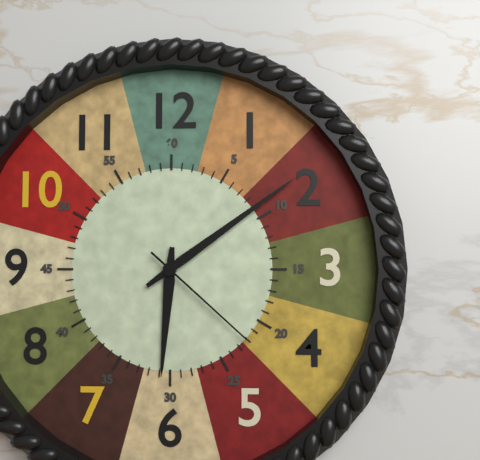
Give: 6h09m22s
